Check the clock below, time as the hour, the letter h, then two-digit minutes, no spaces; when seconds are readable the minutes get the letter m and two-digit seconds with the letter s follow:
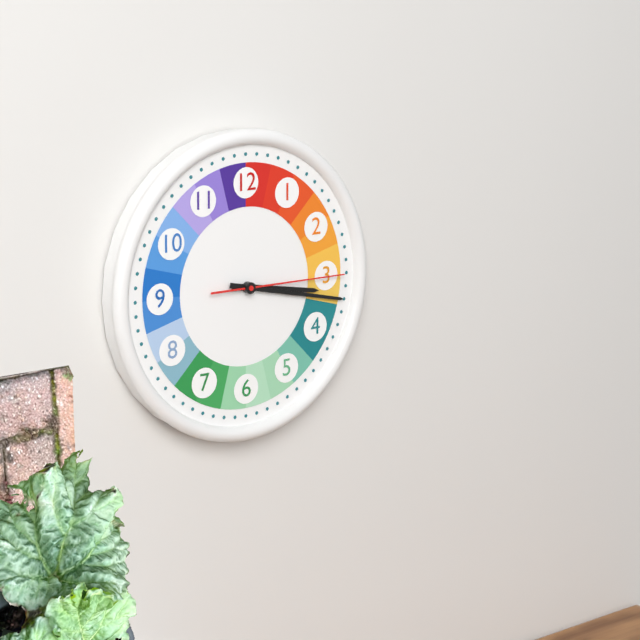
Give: 3h17m15s
